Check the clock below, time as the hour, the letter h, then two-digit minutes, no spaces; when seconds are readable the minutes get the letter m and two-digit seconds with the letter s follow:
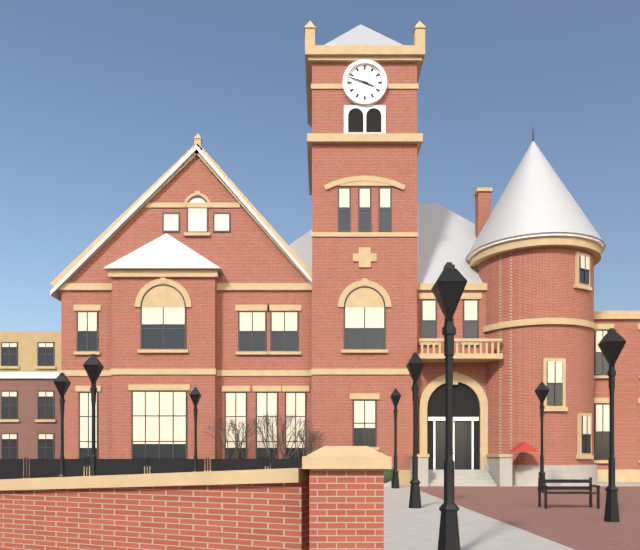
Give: 3h48
